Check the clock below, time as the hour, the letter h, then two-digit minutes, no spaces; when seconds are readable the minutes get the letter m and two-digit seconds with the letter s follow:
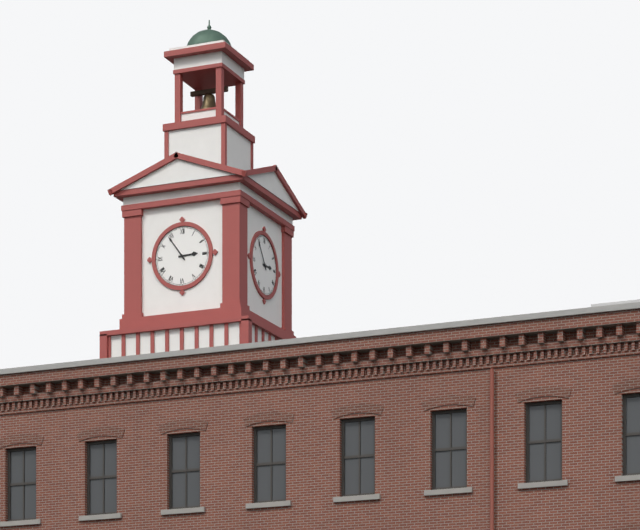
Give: 2h54
